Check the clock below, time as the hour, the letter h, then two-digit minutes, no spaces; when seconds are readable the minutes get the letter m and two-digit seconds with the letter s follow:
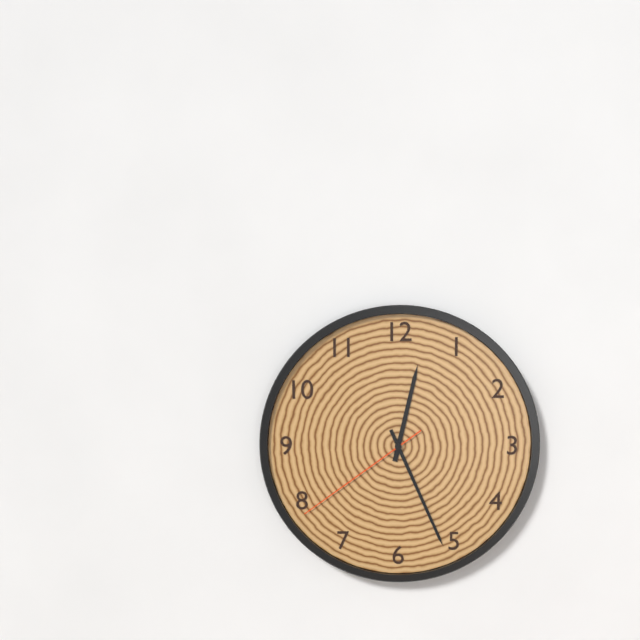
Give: 12h26m39s
